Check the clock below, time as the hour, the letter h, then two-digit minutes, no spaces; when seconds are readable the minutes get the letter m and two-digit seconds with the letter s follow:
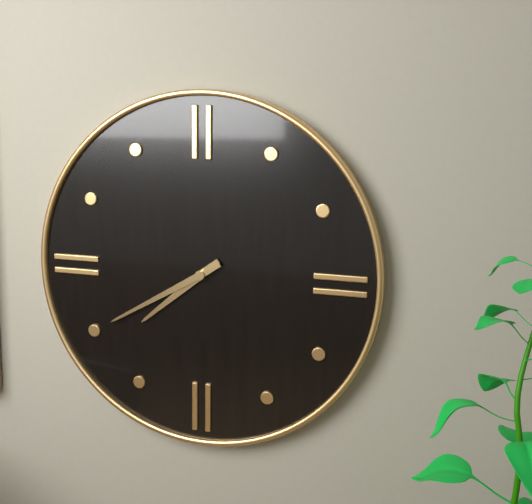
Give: 7h40
